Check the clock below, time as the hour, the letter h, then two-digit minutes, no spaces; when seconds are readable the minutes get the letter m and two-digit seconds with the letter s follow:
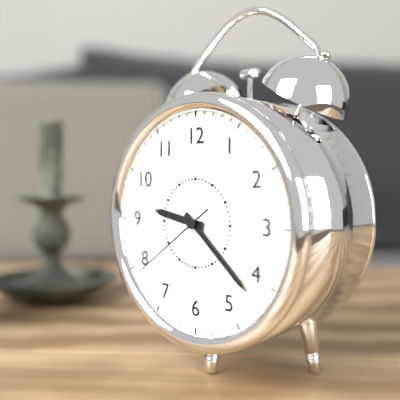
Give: 9h22m39s
